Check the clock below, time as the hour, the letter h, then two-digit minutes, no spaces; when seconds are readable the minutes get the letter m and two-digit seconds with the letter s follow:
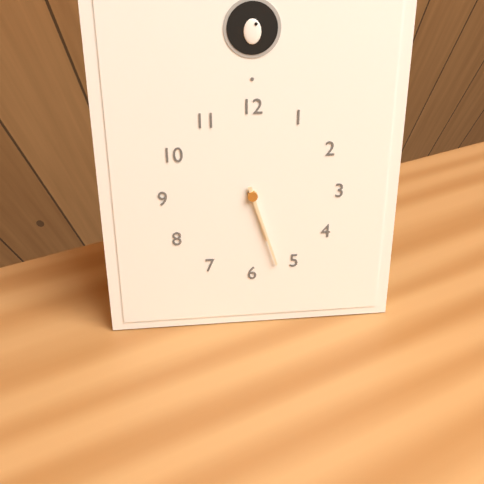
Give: 5h27
